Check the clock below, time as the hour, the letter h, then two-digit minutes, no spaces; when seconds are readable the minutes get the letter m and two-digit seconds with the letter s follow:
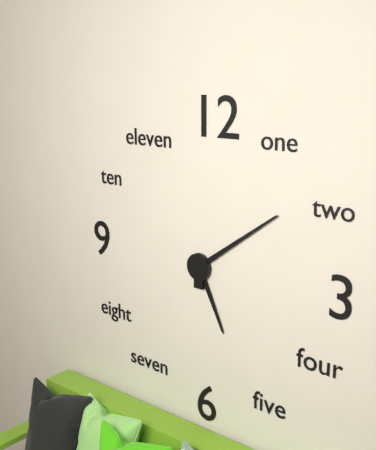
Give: 5h09
